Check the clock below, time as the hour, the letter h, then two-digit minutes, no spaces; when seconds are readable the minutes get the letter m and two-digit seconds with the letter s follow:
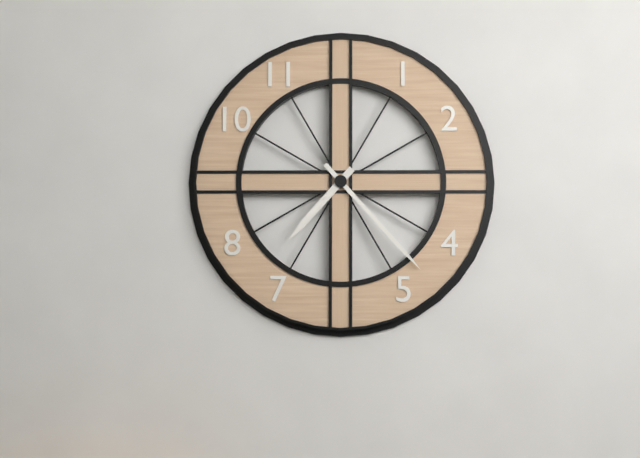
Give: 7h23
